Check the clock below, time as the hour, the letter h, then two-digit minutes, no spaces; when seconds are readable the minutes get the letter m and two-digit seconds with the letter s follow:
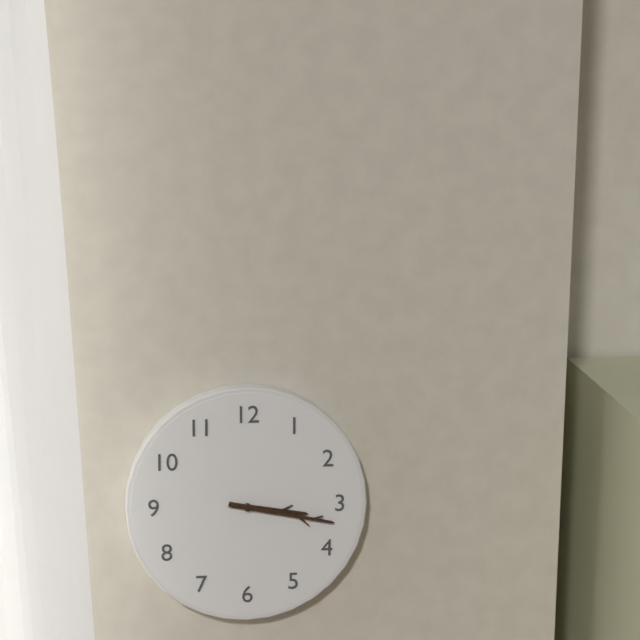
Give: 3h17
